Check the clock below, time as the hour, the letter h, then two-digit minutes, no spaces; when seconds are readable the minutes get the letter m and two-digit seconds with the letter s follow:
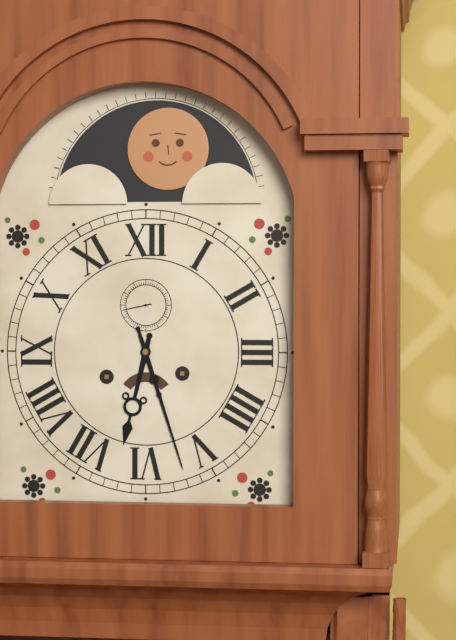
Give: 6h27
